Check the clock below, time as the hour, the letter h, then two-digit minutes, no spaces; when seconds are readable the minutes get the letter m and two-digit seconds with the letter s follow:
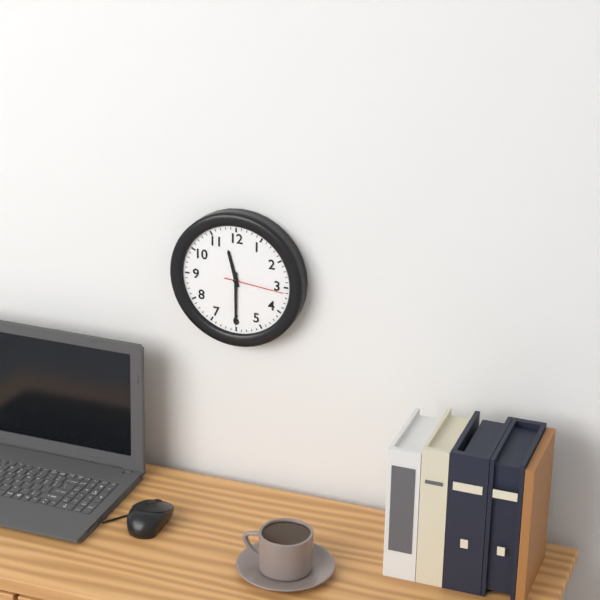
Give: 11h30m16s
